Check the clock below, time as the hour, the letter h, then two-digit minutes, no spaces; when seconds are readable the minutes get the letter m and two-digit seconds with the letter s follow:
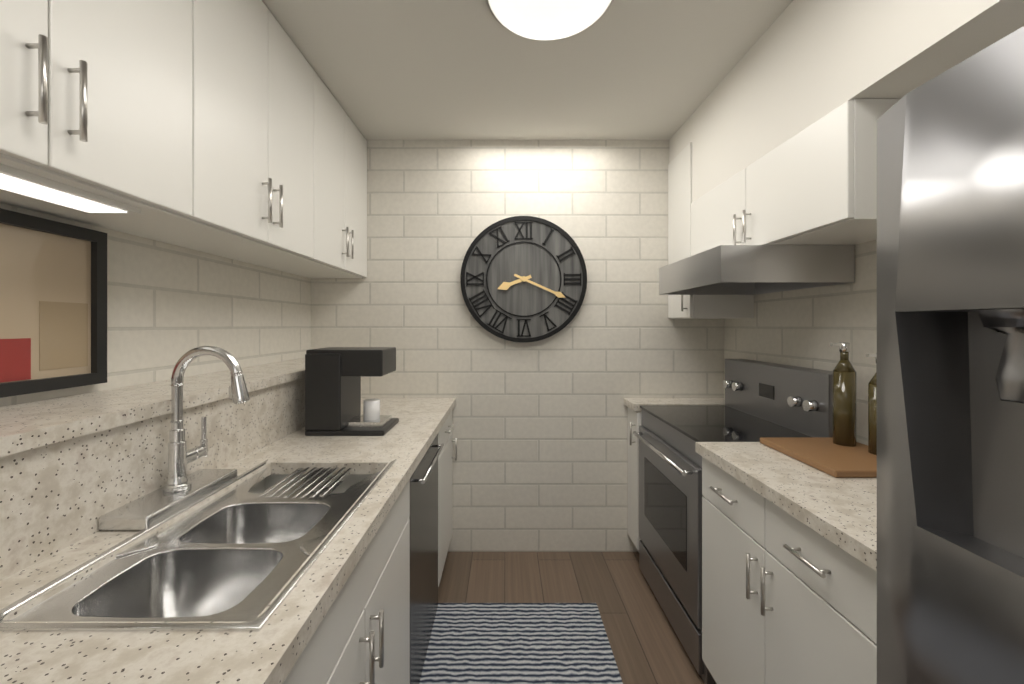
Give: 8h19
